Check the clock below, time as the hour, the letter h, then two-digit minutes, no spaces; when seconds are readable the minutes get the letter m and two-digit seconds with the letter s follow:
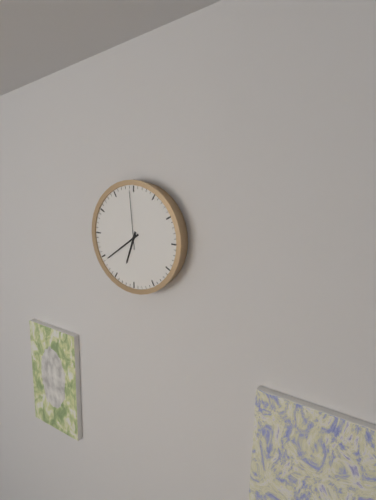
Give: 6h39m59s
